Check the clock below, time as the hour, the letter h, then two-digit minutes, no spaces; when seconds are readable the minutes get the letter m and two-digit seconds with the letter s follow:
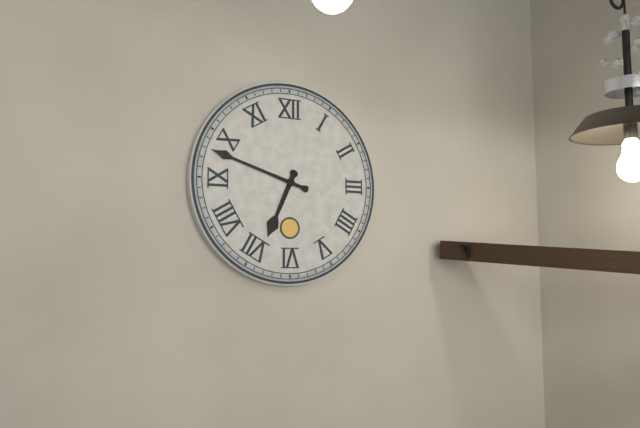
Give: 6h48
